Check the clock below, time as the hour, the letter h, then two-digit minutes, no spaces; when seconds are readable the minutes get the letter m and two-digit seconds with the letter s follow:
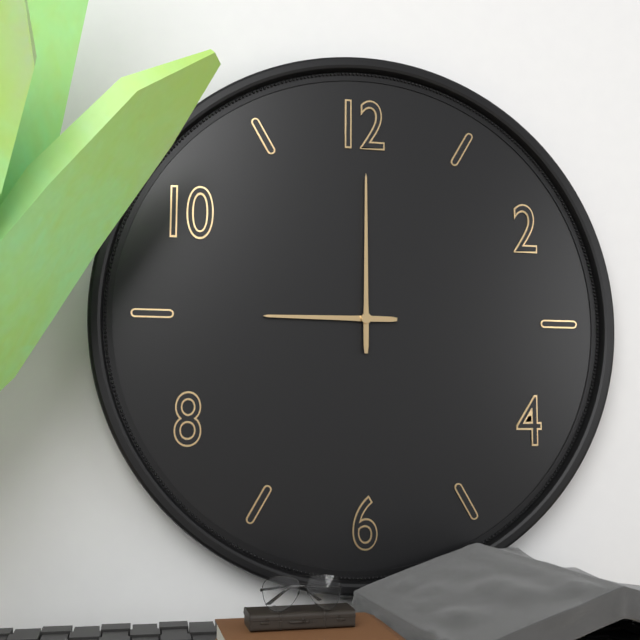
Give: 9h00
